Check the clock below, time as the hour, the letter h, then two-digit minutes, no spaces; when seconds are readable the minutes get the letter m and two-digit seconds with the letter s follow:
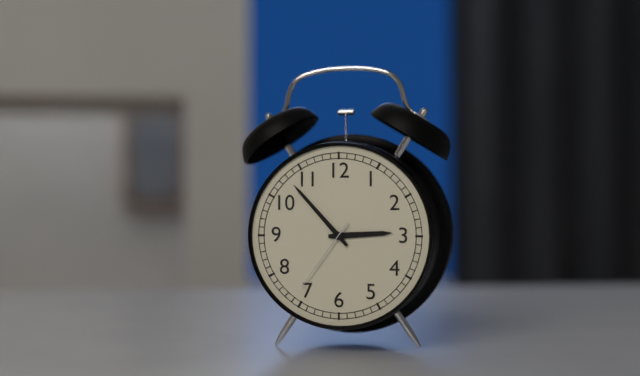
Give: 2h53m36s
